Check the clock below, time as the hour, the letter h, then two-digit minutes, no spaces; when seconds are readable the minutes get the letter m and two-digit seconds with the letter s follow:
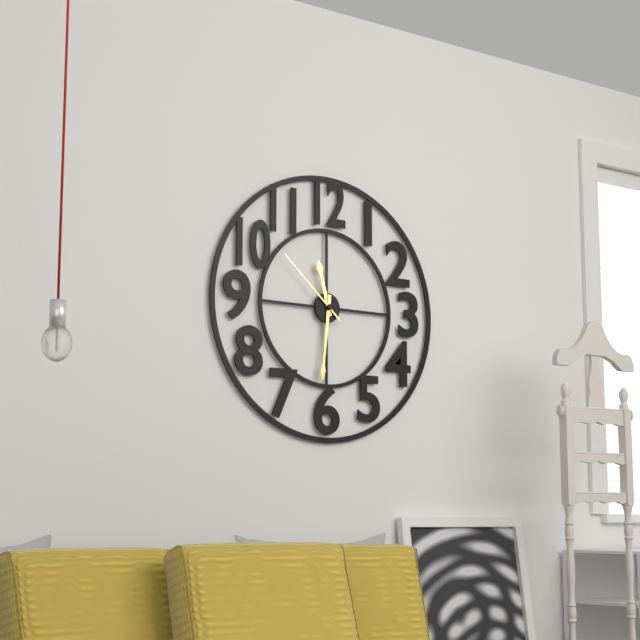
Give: 11h31m52s
